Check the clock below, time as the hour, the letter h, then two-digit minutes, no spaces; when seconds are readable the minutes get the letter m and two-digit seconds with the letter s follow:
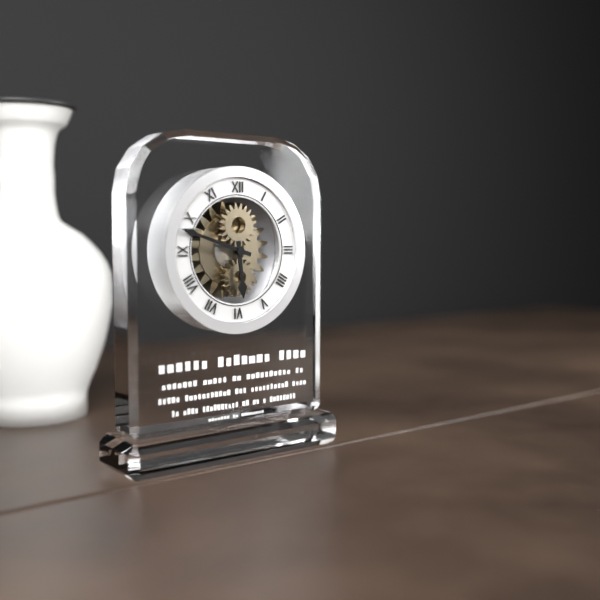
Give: 5h48
